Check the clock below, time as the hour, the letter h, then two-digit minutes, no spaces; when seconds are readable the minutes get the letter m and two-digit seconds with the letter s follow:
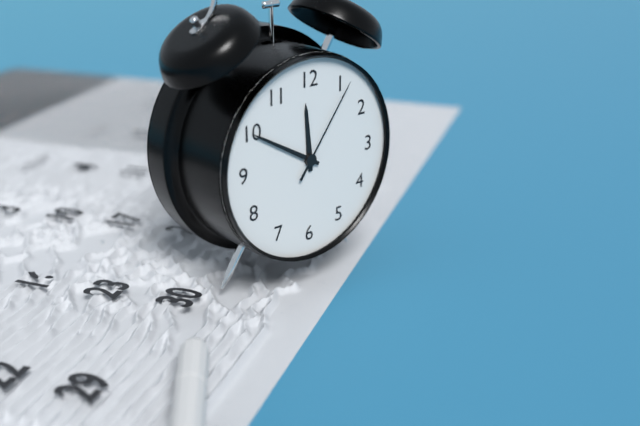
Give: 11h50m06s
